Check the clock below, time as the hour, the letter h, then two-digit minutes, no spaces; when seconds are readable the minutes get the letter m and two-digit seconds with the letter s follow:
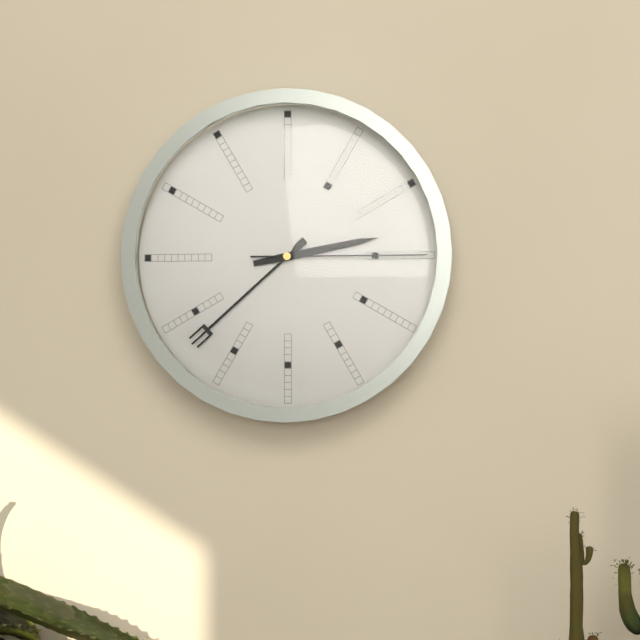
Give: 2h38m15s
